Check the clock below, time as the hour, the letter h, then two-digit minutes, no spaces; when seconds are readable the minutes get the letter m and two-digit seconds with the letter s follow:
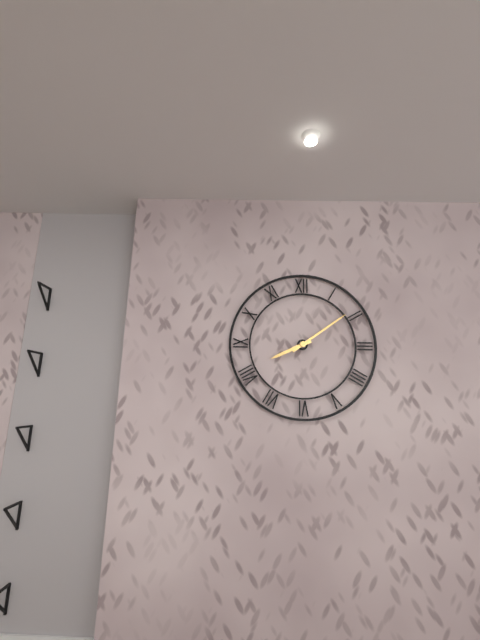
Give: 8h09
